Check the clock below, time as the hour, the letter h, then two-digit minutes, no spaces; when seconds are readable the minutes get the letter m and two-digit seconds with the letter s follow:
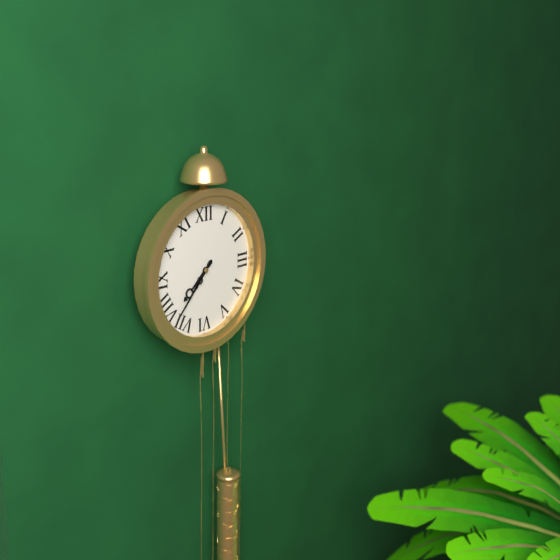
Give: 7h37
